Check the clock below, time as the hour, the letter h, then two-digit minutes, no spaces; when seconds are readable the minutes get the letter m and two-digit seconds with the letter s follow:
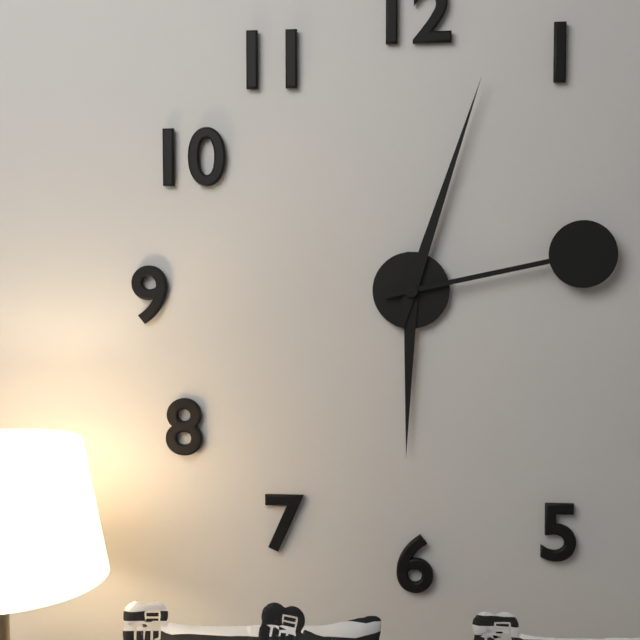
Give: 6h03m13s
